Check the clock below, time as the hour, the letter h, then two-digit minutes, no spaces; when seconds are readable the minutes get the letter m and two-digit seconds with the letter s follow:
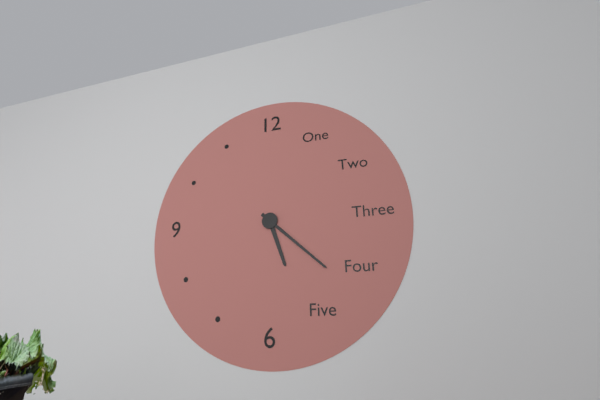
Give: 5h22
